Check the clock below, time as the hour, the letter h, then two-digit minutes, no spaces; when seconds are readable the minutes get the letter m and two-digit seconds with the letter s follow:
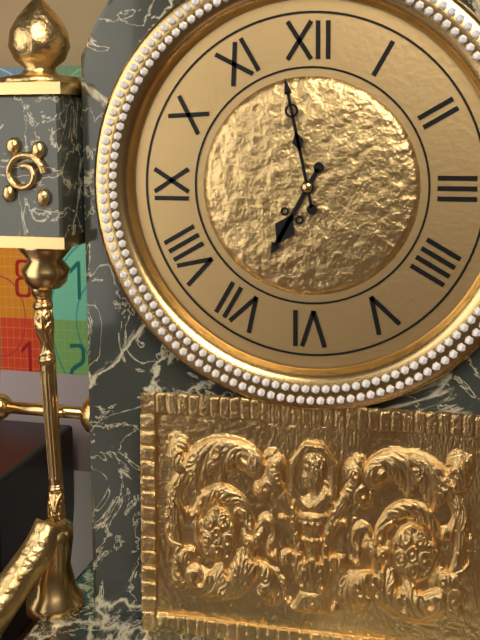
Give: 6h58
